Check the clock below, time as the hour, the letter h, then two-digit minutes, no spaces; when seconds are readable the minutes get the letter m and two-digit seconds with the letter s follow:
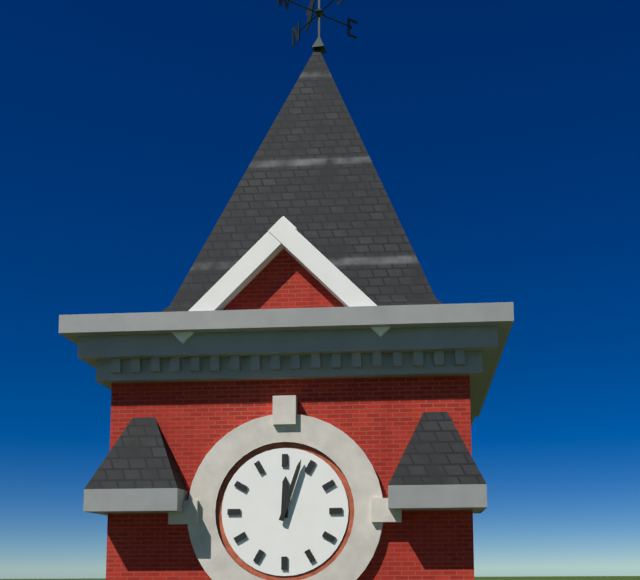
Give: 12h03
